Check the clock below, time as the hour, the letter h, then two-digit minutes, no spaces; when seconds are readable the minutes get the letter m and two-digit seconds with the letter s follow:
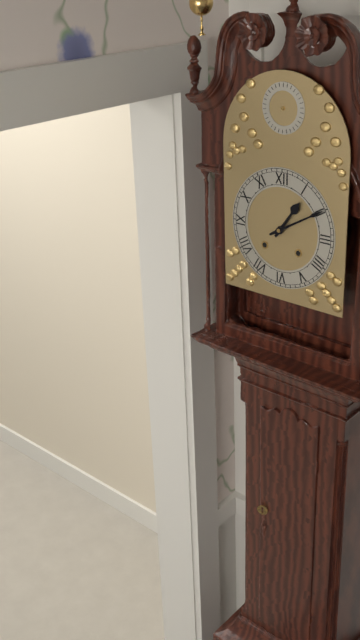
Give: 1h10
